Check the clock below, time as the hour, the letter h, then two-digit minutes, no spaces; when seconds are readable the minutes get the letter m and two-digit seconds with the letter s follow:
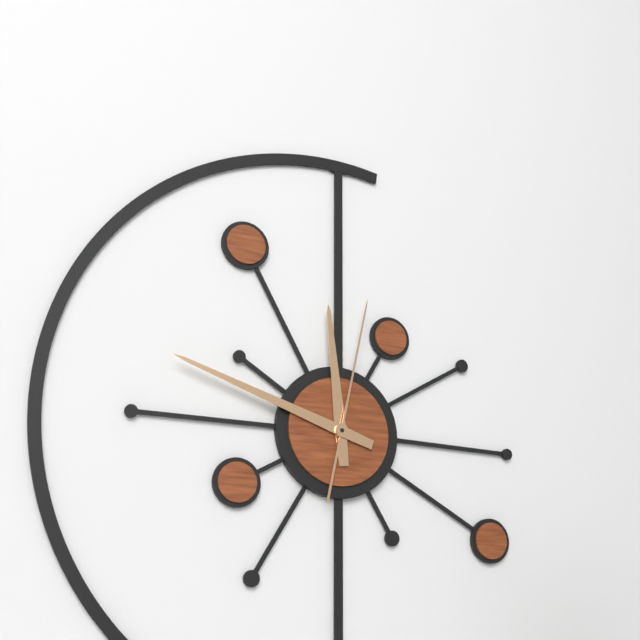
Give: 11h48m02s
